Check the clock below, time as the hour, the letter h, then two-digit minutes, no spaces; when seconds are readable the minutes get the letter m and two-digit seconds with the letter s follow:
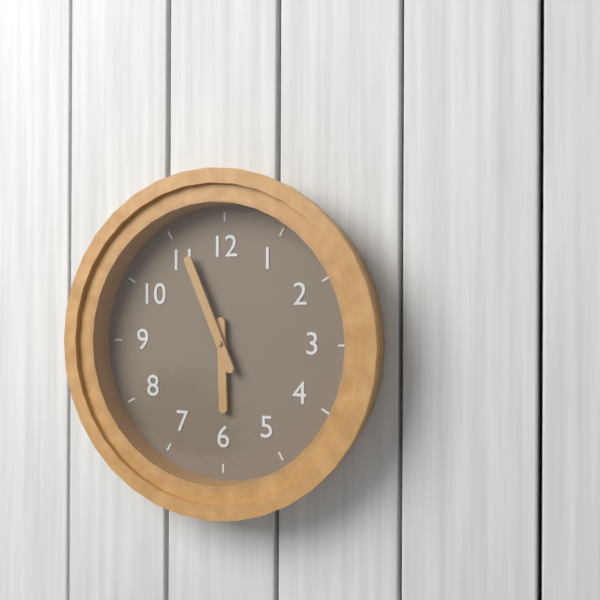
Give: 5h56
